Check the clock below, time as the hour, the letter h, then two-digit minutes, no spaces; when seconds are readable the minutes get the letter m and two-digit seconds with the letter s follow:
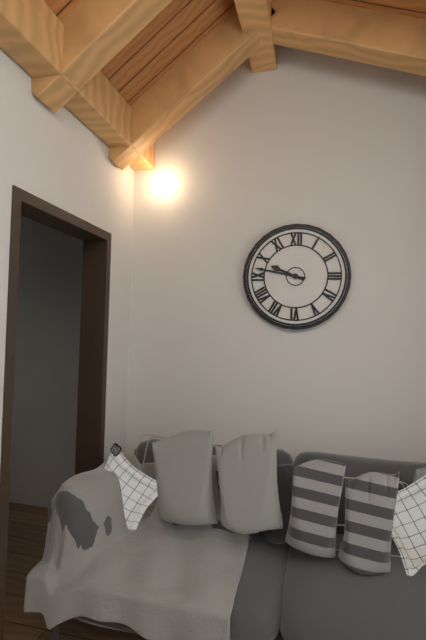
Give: 9h47
